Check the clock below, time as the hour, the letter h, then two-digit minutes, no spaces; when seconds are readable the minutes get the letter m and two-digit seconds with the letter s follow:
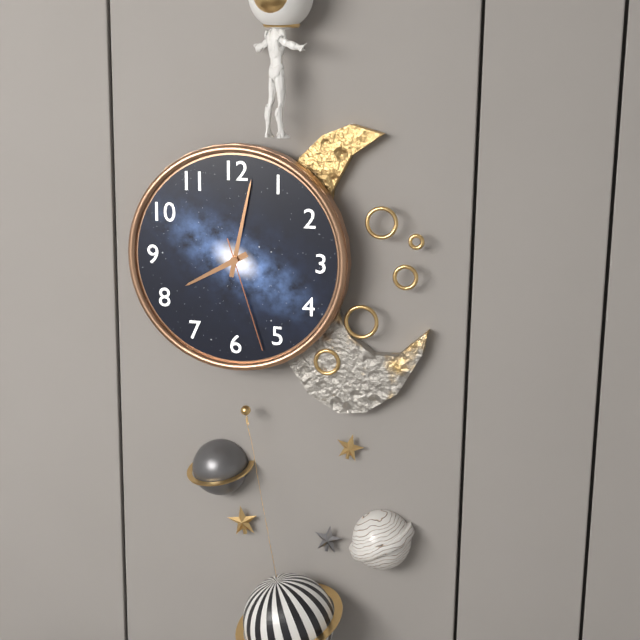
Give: 8h02m27s
